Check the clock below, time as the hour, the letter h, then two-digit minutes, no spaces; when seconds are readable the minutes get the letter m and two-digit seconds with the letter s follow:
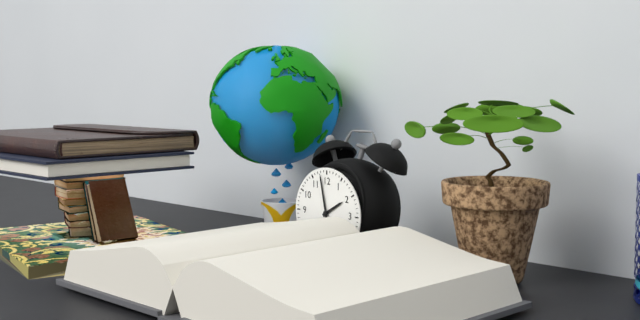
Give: 1h58
